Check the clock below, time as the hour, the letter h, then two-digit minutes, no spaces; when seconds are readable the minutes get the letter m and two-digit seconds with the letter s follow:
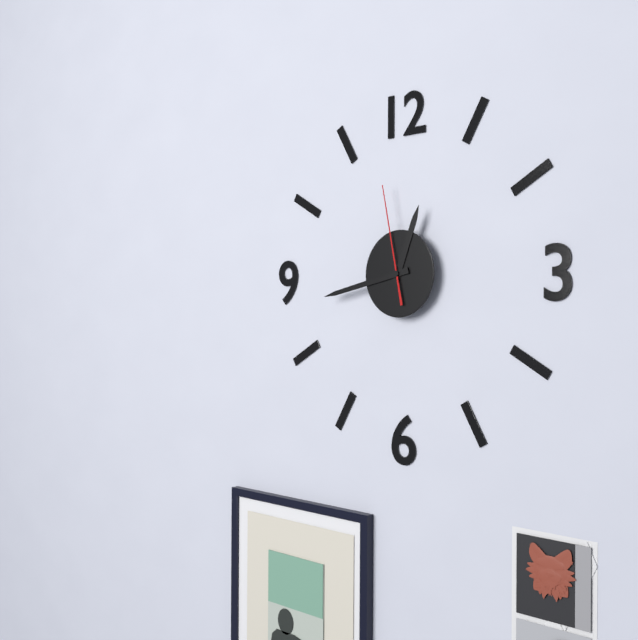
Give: 12h43m58s
